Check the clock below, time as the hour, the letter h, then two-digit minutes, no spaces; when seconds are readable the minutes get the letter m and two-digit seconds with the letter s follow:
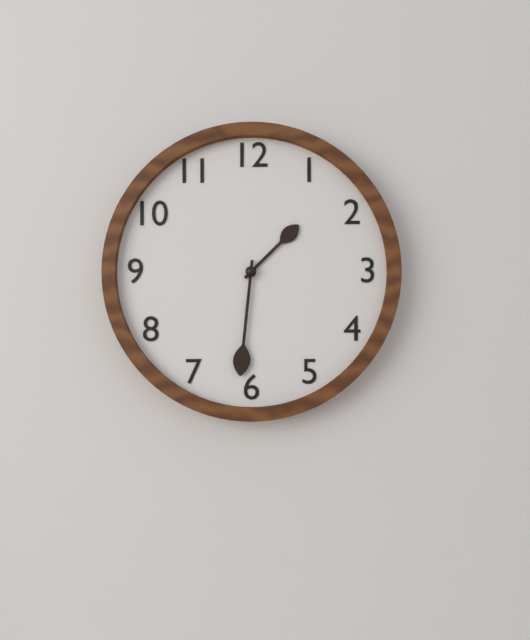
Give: 1h31
